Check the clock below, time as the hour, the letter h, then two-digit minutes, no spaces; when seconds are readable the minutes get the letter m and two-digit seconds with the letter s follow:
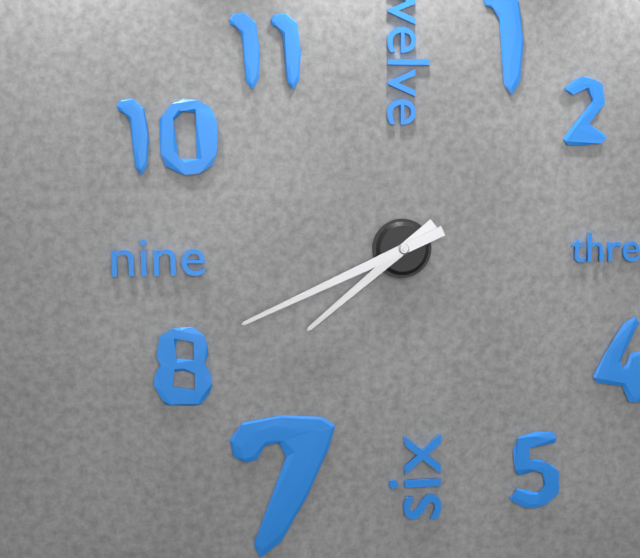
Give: 7h41
